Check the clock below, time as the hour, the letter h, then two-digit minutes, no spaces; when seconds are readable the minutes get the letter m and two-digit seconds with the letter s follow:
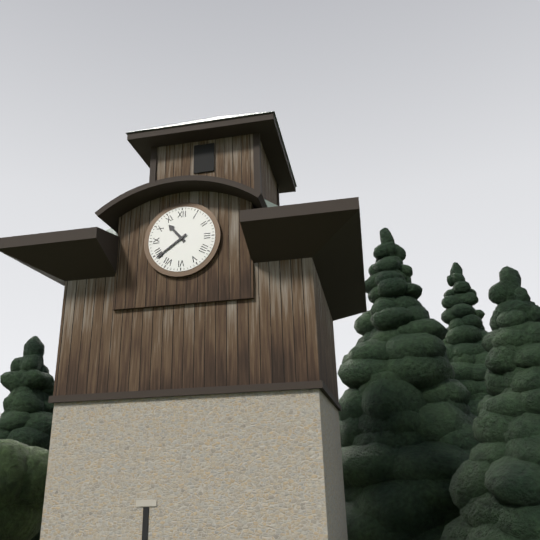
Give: 10h39
